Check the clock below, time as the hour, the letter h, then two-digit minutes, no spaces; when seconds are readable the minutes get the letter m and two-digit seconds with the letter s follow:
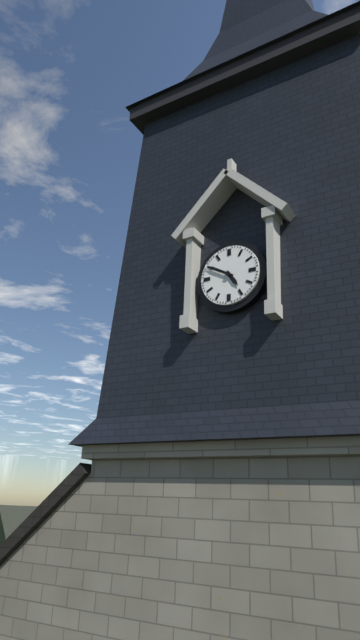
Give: 4h50
